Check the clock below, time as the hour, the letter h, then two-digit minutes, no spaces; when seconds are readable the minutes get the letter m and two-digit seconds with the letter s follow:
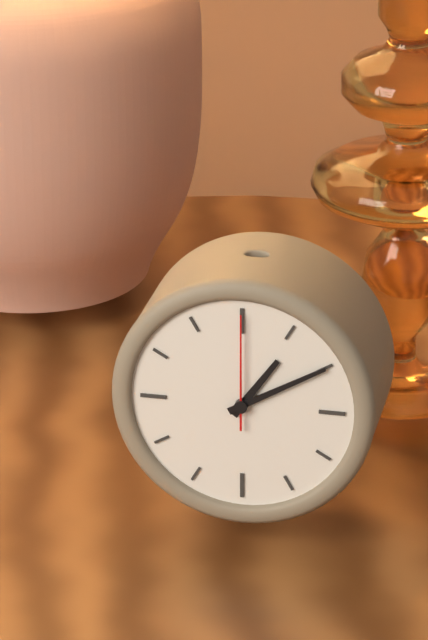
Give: 1h10m00s
